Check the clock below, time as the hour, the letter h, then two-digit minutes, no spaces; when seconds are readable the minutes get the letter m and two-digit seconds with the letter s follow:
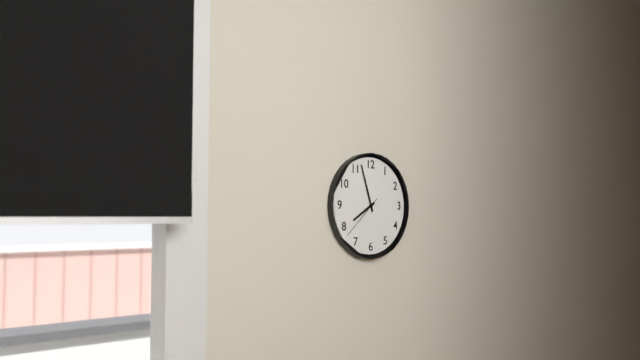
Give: 7h57
